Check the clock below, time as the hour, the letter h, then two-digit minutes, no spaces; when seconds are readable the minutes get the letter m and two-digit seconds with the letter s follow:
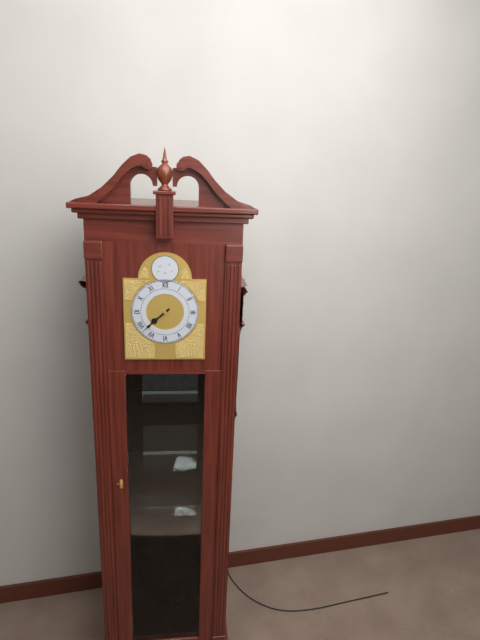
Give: 7h38
